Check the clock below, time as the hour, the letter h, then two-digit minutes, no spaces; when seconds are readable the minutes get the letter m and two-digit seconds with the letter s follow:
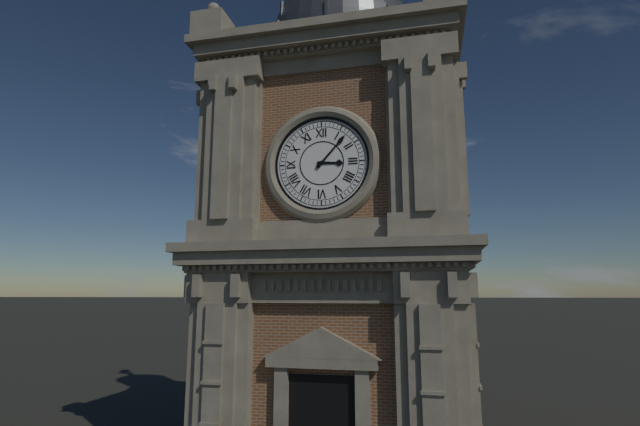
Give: 3h07
